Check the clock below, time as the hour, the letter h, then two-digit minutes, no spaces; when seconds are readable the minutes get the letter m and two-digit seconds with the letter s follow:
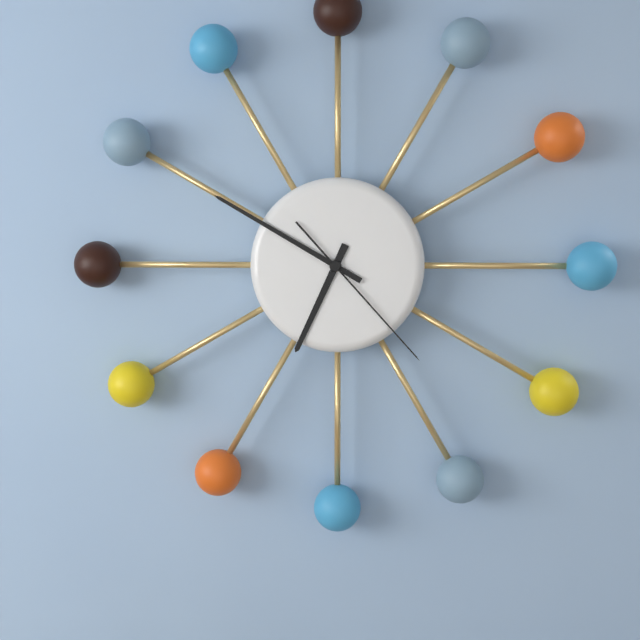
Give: 6h50m23s
